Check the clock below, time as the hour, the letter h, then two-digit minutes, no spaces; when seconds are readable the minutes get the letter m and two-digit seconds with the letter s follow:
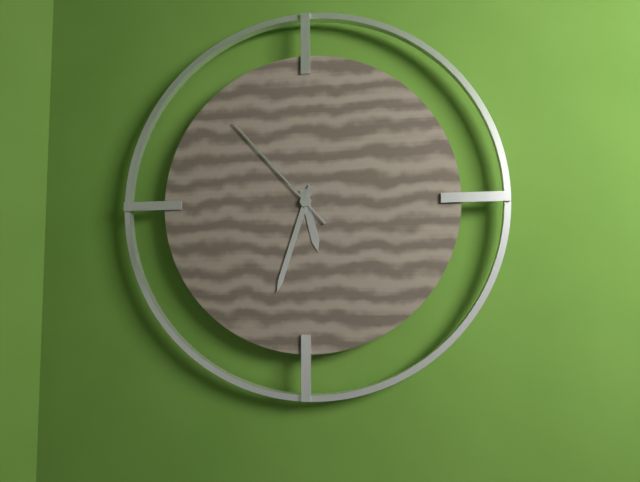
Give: 5h33m53s
